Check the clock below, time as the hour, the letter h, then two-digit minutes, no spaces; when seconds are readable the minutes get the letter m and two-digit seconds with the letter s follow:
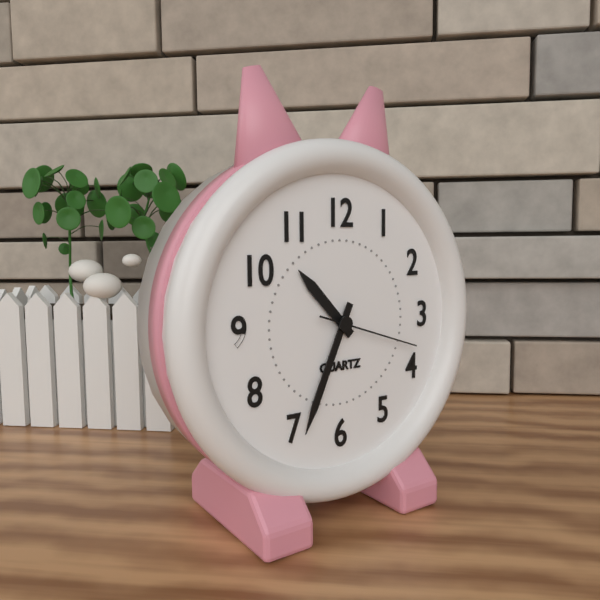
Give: 10h34m18s
